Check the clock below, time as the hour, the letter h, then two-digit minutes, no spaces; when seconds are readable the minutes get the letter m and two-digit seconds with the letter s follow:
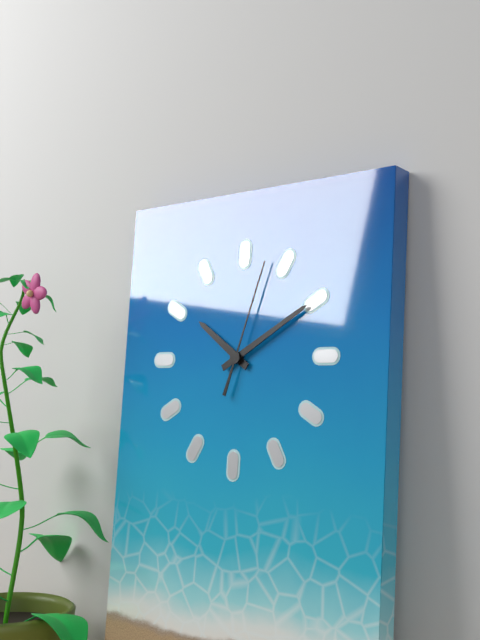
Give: 10h10m03s
